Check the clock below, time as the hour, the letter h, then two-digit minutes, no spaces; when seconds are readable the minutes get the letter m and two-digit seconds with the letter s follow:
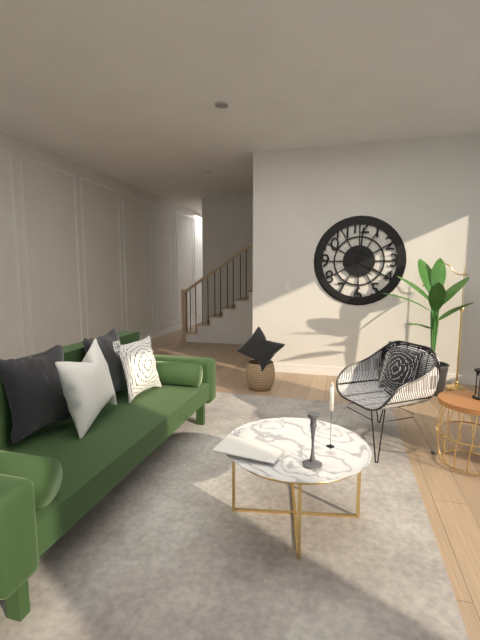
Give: 4h01
